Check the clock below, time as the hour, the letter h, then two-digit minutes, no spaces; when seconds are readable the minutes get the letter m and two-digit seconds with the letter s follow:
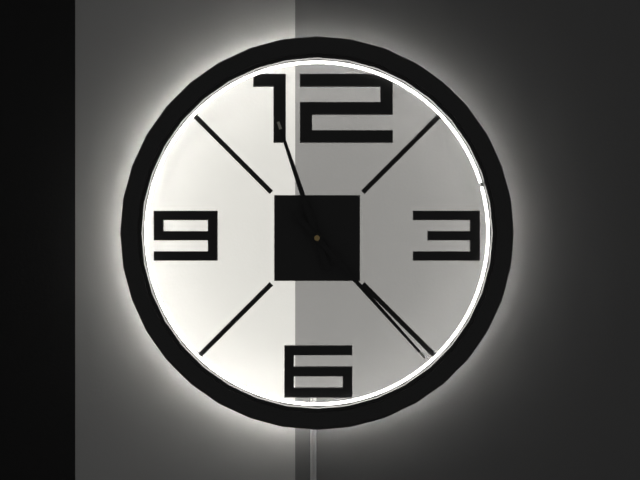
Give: 11h23
